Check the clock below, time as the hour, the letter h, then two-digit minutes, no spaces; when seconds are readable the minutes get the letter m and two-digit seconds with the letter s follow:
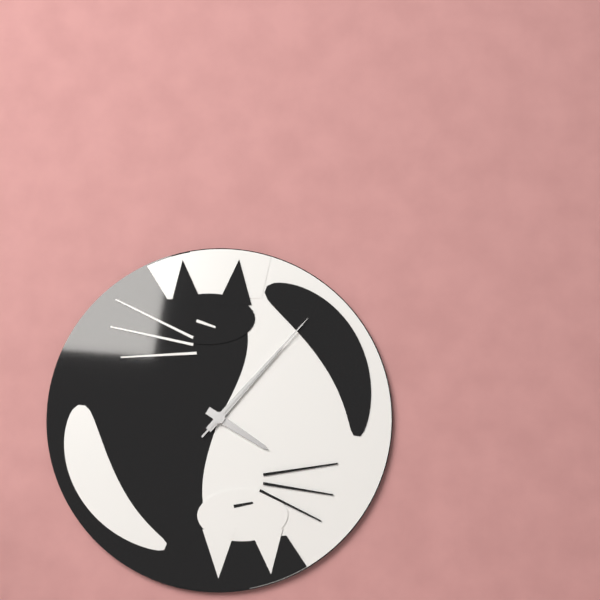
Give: 4h07m07s
